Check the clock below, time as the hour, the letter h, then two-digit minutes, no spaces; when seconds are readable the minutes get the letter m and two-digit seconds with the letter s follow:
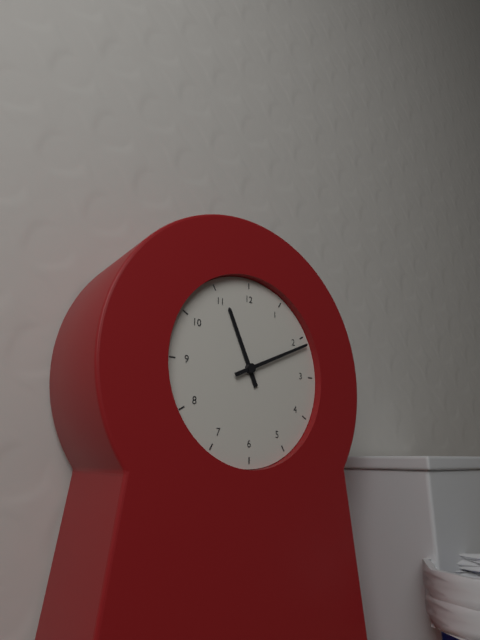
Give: 11h11
